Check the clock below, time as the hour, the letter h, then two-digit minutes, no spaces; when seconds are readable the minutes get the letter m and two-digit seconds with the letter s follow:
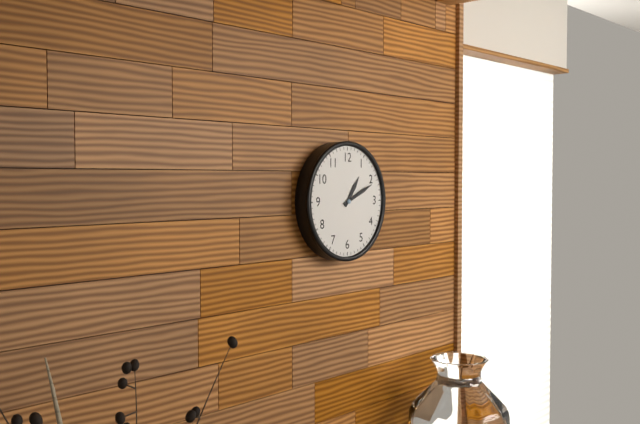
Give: 1h11
